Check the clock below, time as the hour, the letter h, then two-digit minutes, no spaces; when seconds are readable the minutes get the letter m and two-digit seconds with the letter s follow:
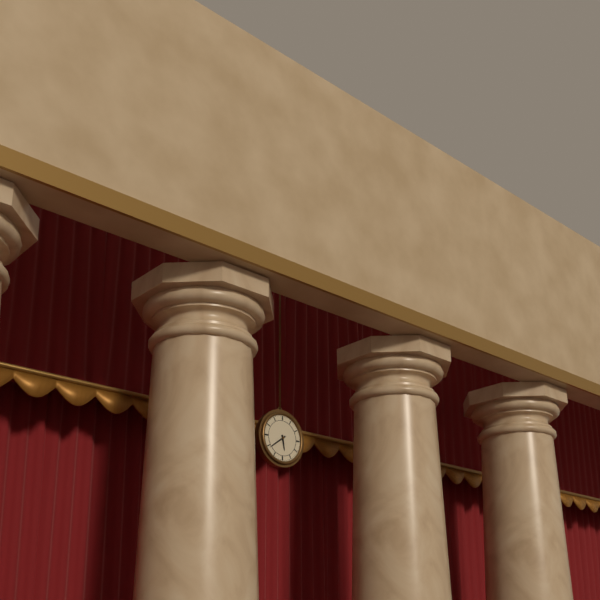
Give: 5h39
